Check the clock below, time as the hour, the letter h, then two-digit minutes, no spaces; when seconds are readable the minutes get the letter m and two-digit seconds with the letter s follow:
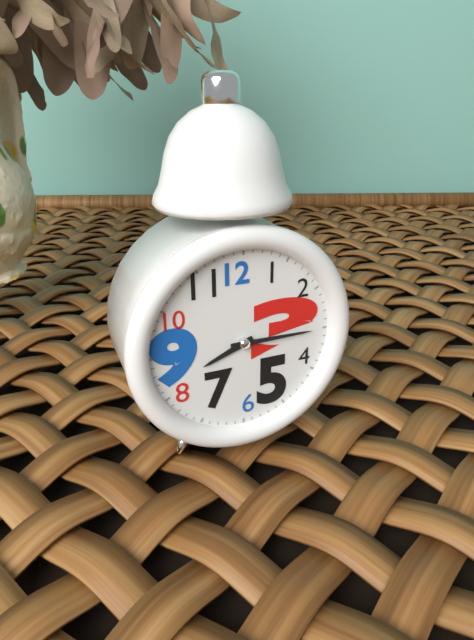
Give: 8h15
